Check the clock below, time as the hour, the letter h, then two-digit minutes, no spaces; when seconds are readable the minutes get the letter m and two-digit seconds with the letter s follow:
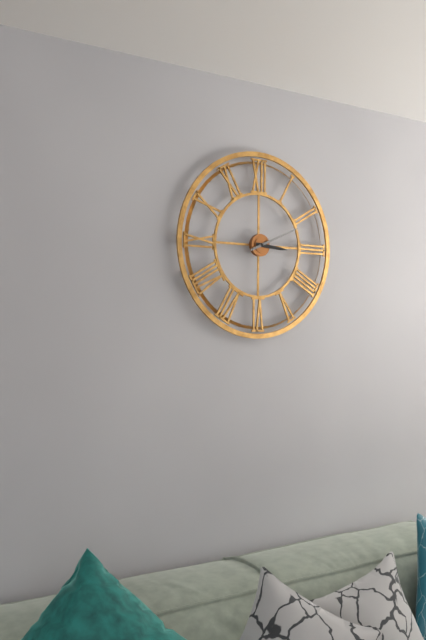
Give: 3h11
